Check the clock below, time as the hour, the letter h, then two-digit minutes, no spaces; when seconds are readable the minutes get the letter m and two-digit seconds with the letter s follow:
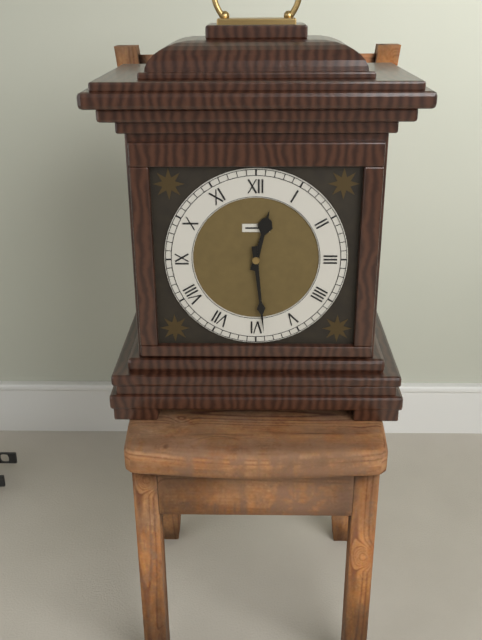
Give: 12h29
